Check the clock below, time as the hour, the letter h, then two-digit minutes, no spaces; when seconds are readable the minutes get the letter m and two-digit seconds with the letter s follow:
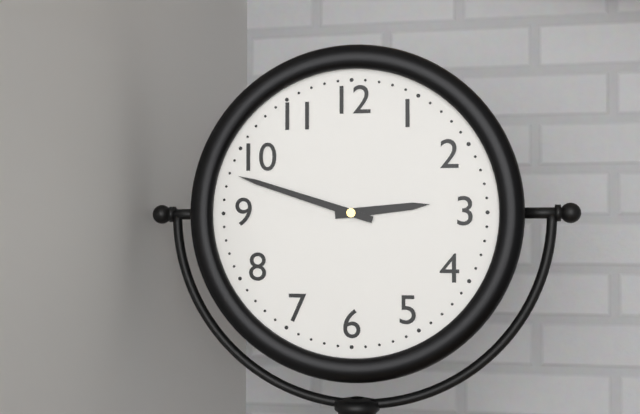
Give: 2h48
